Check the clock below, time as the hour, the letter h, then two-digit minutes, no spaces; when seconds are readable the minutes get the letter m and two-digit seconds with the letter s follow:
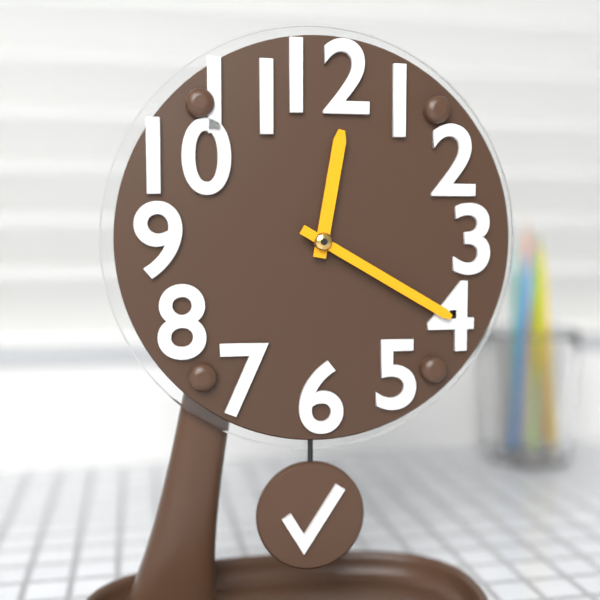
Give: 12h20
